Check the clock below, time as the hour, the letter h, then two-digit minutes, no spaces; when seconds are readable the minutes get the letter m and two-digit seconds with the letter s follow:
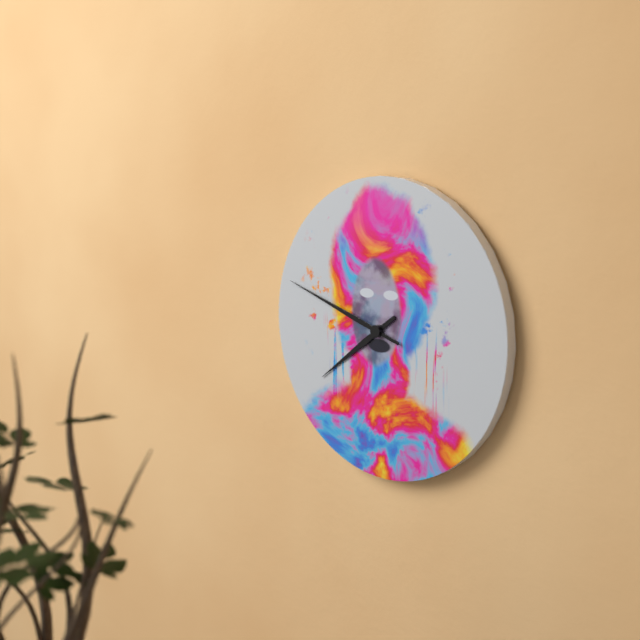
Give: 7h48
